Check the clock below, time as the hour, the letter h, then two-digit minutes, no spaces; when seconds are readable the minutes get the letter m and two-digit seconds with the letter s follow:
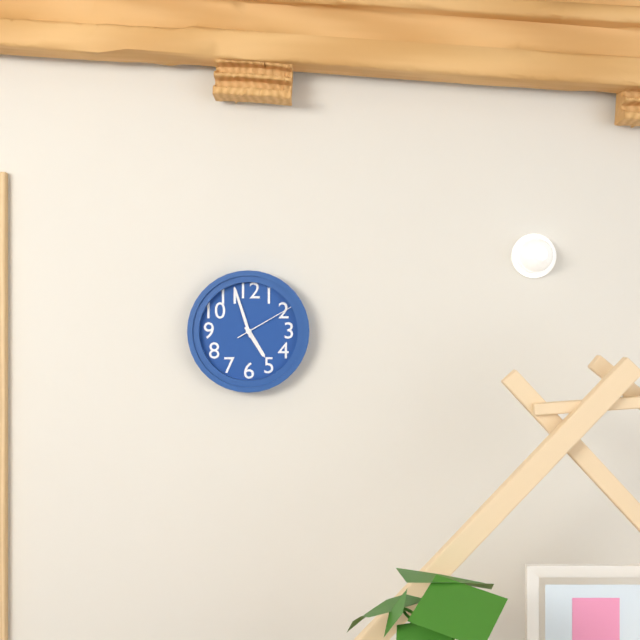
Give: 4h57m10s
